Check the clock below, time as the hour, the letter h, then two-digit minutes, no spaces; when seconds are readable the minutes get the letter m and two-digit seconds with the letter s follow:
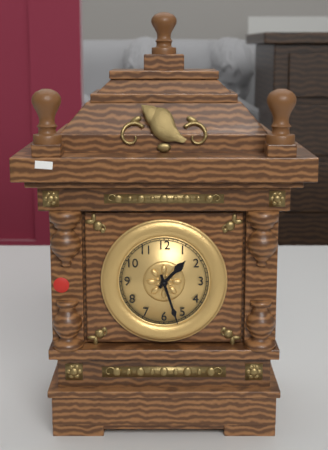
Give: 1h27
